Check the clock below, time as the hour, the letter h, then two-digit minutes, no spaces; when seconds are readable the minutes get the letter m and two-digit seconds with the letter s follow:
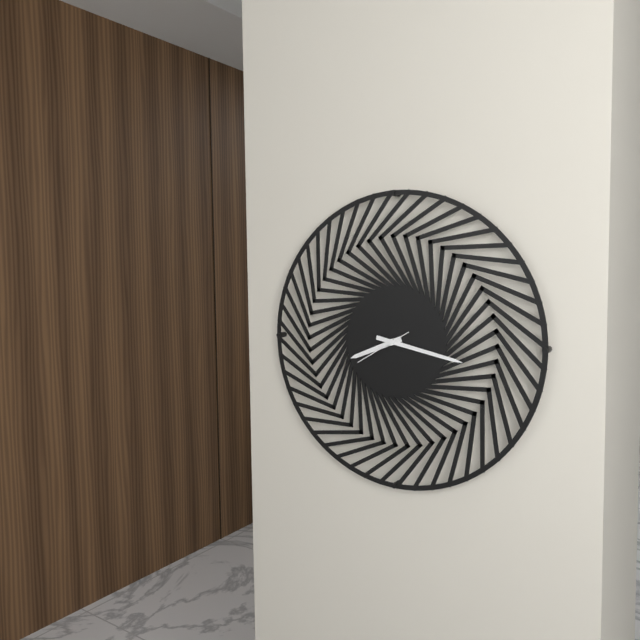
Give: 8h17m40s
